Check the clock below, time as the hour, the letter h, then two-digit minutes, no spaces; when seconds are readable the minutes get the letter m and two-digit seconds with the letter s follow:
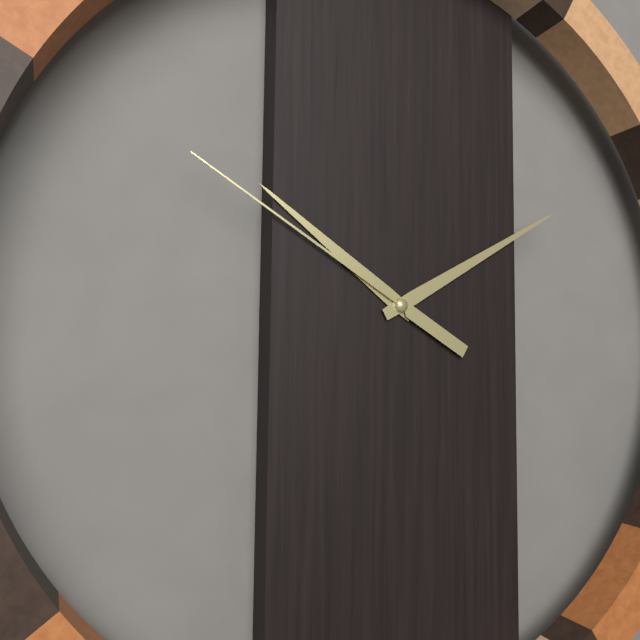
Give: 10h10m50s
